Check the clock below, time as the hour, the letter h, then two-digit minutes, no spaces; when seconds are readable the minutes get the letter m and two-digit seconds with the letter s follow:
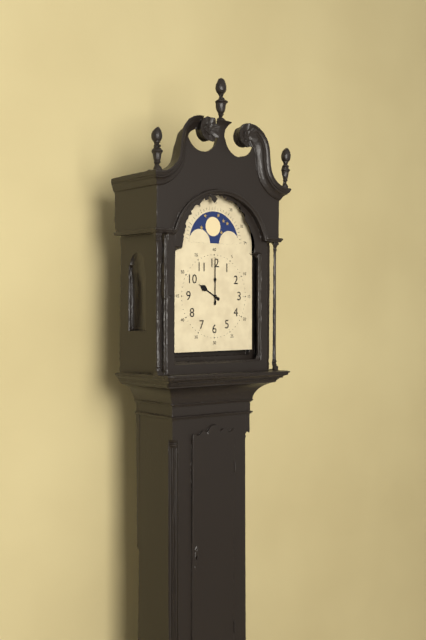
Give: 10h00
